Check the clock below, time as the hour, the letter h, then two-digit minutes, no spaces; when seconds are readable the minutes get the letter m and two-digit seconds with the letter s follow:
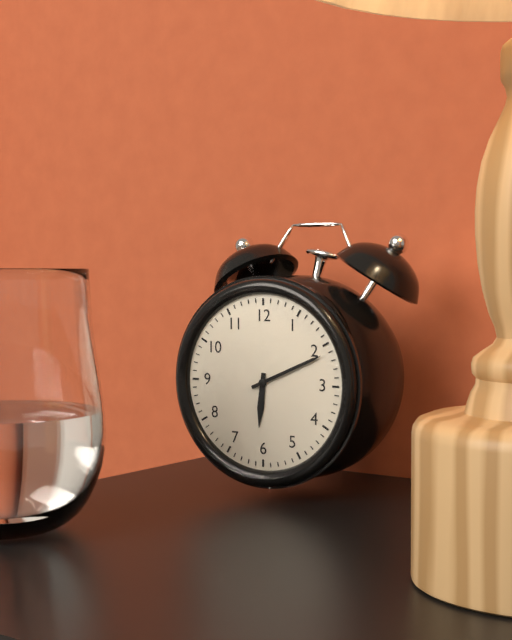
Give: 6h11
